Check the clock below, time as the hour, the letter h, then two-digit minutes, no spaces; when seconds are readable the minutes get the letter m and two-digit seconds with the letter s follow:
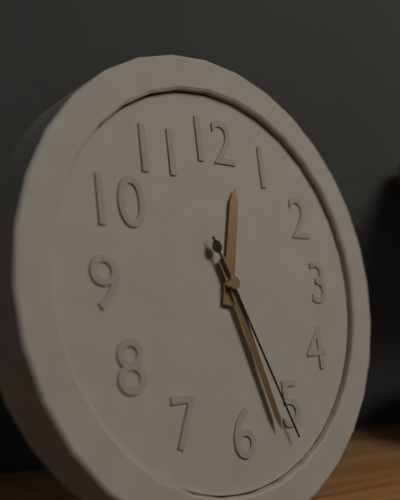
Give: 12h27m26s
